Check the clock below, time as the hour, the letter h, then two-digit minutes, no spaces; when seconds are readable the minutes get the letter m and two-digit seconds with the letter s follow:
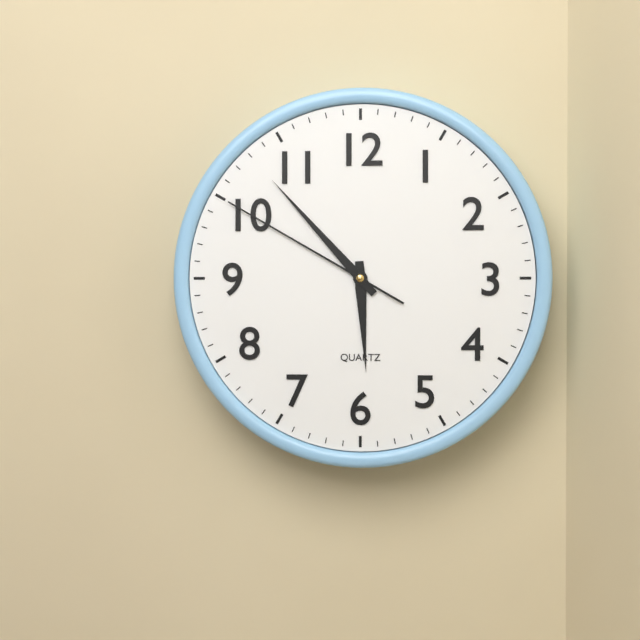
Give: 5h53m50s
